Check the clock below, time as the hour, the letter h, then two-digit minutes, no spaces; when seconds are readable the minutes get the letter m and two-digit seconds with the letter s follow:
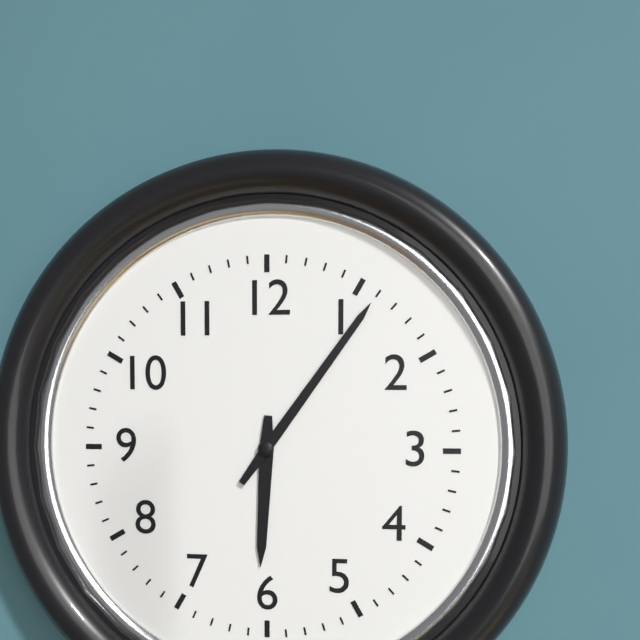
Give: 6h06
